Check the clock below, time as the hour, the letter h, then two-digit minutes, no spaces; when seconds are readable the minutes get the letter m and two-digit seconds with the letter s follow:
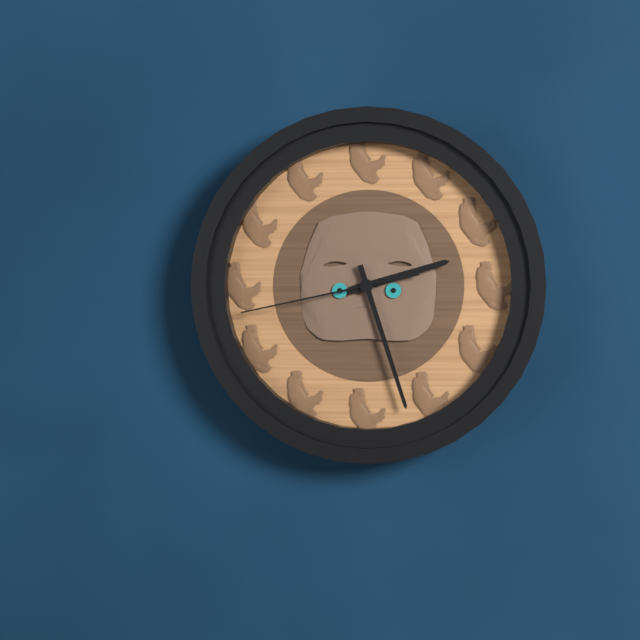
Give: 2h27m43s
